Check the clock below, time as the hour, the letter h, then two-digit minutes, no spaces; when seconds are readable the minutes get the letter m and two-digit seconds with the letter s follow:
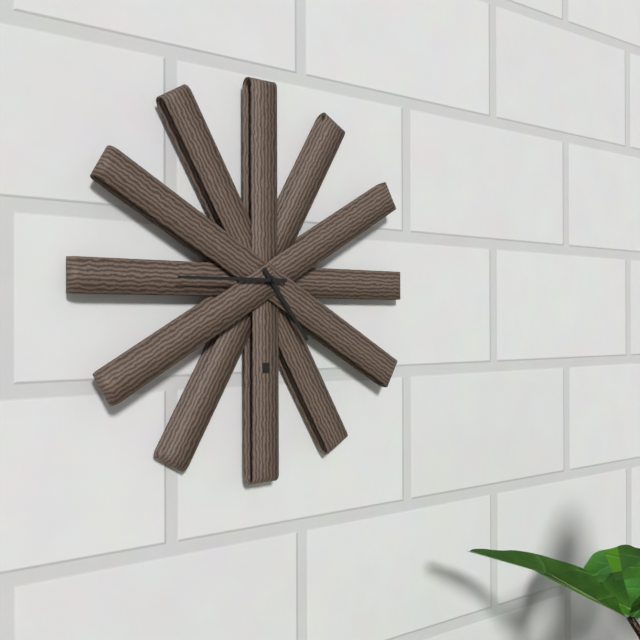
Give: 4h45
